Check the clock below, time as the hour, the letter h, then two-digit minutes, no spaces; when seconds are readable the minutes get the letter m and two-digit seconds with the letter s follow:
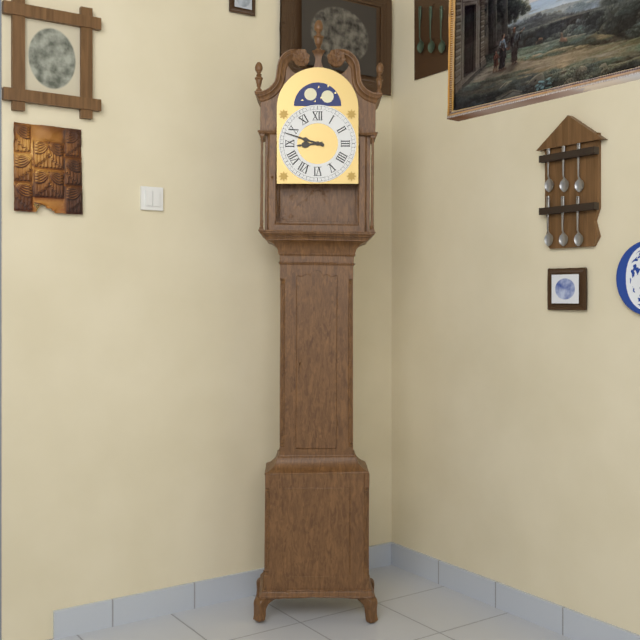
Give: 8h48
